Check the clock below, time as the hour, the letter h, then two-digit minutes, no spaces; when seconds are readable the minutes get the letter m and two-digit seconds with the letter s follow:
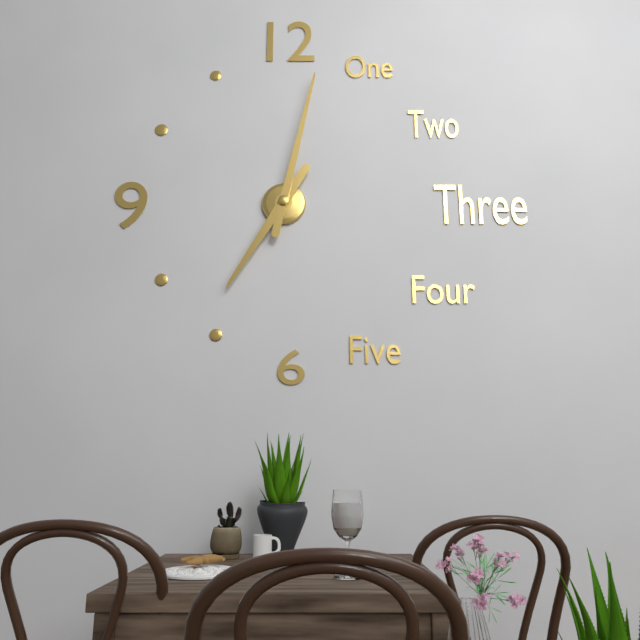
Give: 7h02
